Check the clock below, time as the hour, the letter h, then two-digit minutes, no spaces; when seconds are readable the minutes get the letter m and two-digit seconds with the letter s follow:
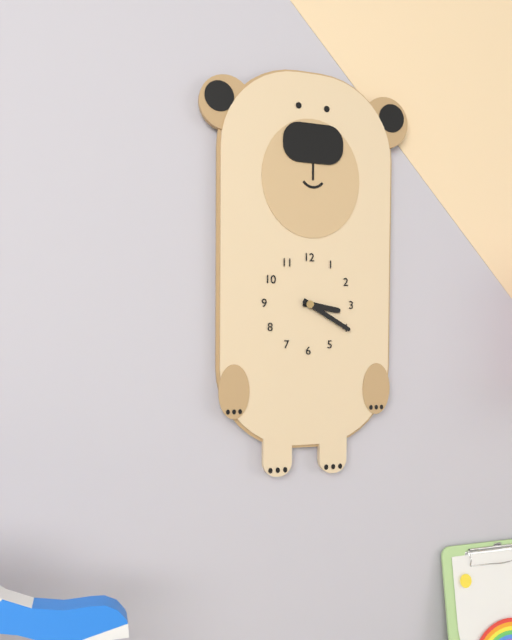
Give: 3h20
